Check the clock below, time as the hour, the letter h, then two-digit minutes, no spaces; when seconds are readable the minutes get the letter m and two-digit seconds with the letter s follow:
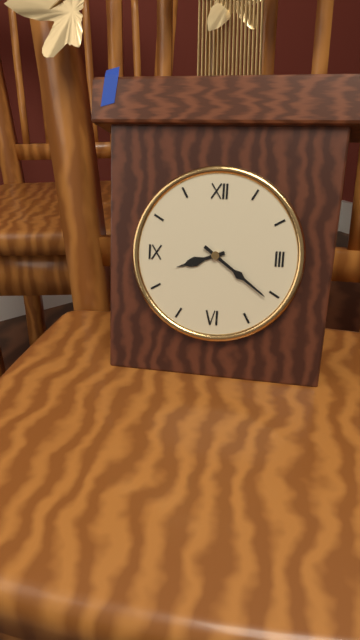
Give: 8h21
